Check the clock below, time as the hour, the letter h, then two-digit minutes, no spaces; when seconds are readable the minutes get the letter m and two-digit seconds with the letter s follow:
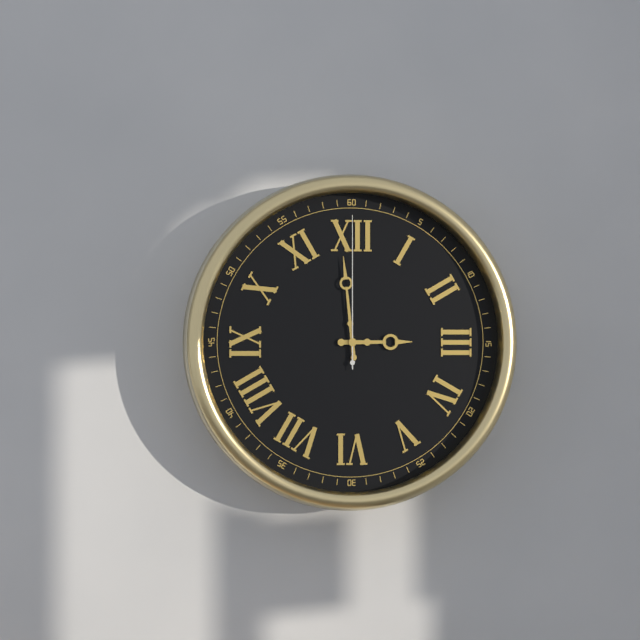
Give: 2h59m00s
